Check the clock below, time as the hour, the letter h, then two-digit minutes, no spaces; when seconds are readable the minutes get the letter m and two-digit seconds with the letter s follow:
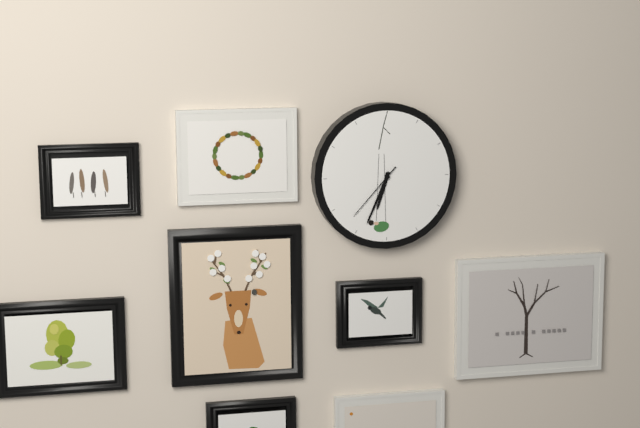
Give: 6h34m37s
